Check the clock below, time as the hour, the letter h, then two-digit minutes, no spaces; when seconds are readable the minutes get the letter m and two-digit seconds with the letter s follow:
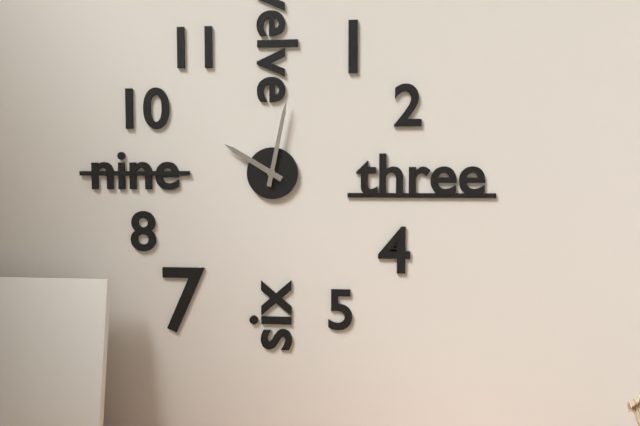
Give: 10h02
